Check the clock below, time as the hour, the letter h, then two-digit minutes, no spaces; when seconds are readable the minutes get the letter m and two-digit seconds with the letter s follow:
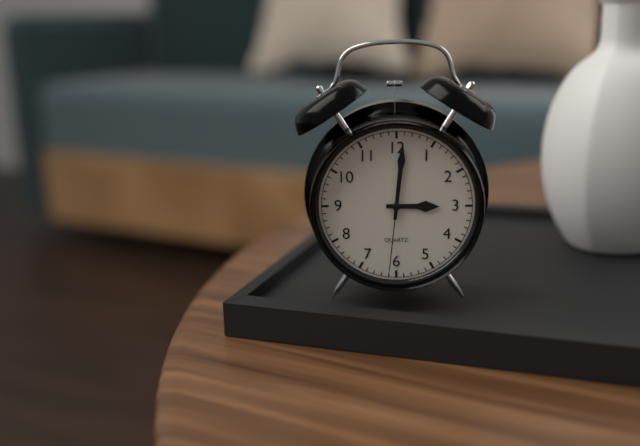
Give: 3h01m31s
